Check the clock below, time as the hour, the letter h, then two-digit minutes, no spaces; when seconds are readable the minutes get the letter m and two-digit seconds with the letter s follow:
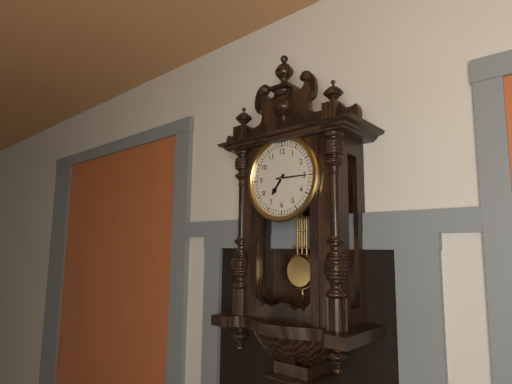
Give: 7h15
